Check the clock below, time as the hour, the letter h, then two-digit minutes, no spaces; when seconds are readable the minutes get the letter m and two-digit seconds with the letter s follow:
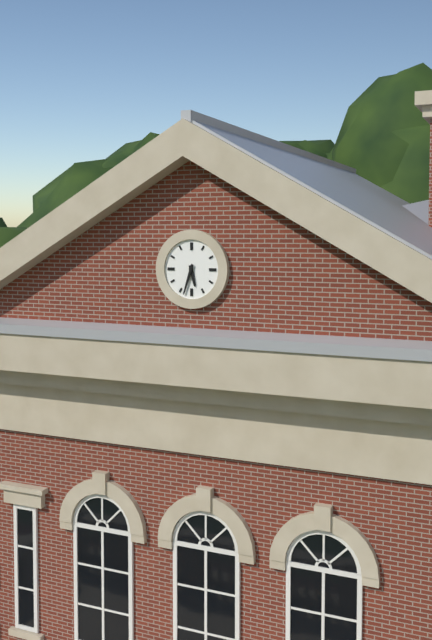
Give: 5h33
